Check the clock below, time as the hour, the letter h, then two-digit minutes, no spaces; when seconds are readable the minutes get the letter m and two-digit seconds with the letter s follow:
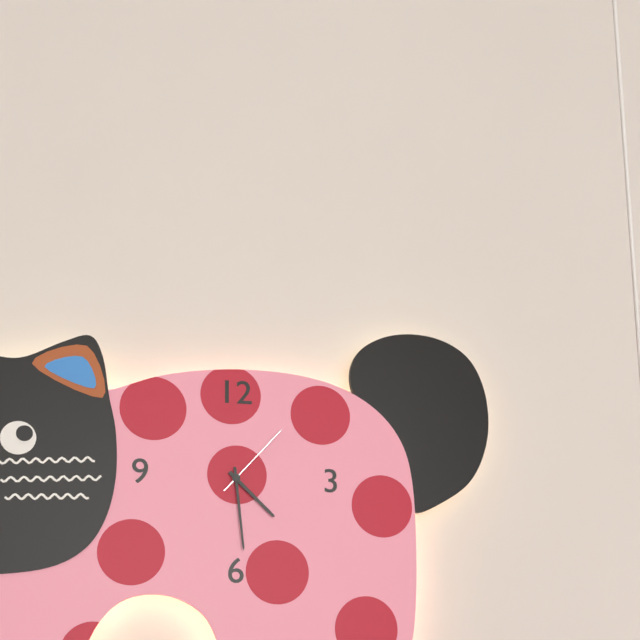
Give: 4h29m07s
